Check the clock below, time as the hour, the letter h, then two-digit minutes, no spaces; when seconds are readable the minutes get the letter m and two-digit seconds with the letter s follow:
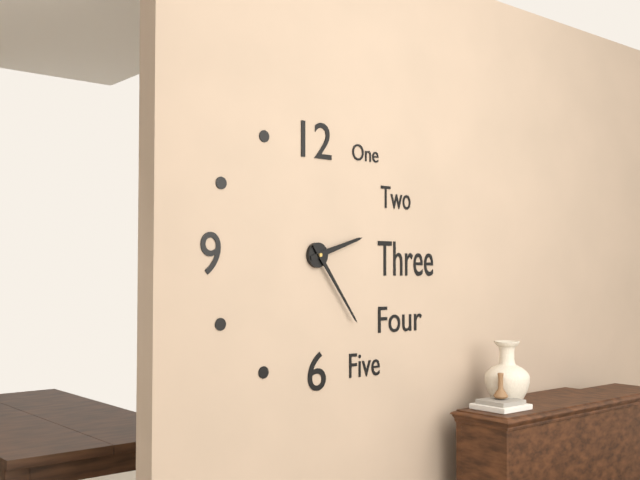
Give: 2h24
